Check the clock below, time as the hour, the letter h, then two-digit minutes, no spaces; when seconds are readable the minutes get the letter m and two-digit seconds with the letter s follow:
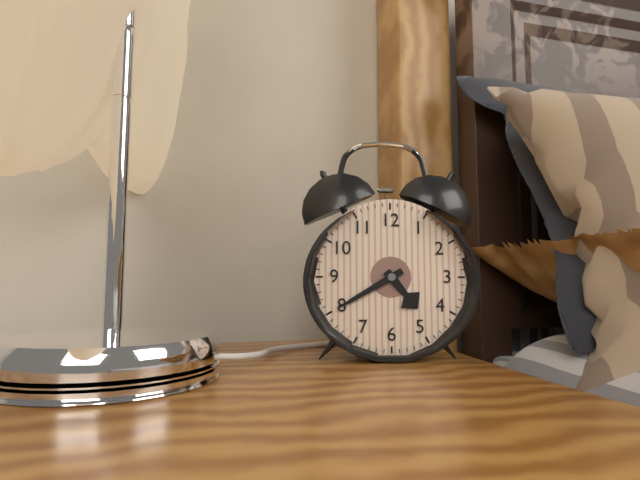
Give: 4h40
